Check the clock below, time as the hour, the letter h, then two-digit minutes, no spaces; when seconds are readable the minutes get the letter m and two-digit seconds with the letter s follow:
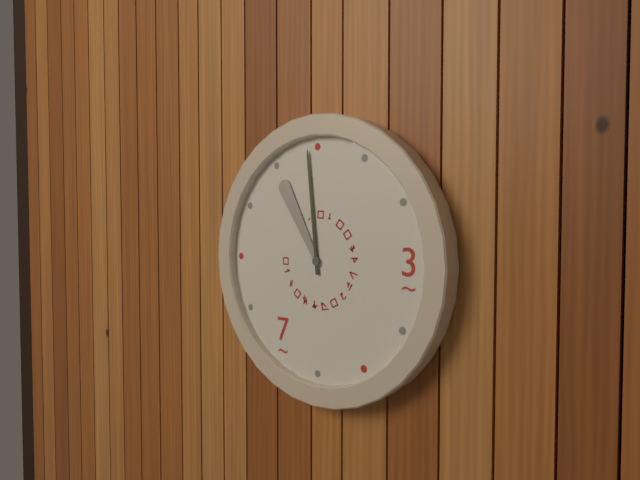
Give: 10h59
